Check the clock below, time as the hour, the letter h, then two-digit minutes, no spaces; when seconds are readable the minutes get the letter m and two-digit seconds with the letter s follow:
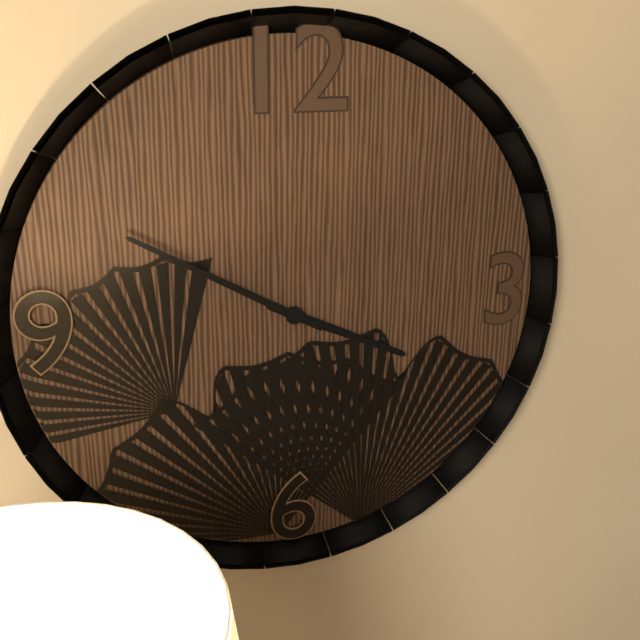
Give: 3h50
